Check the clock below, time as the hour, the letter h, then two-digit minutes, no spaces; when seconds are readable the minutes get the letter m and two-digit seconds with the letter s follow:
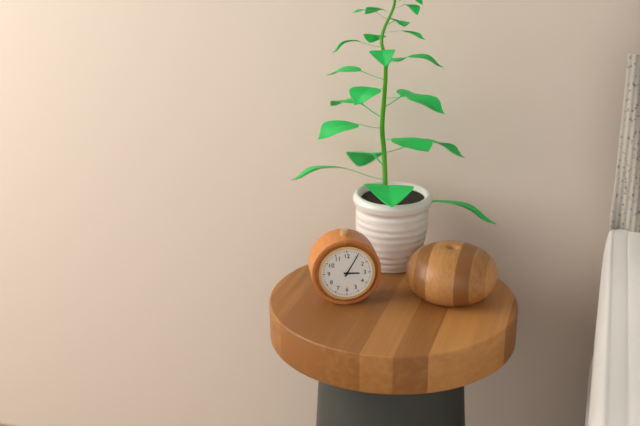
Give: 3h05
